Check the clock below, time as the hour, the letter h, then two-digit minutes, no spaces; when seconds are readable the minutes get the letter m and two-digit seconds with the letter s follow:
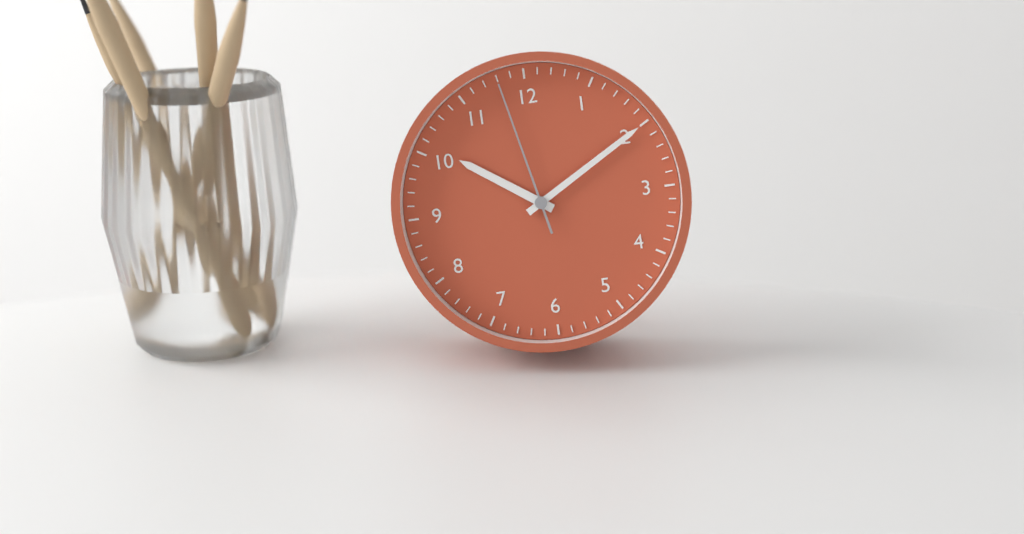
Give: 10h10m58s
